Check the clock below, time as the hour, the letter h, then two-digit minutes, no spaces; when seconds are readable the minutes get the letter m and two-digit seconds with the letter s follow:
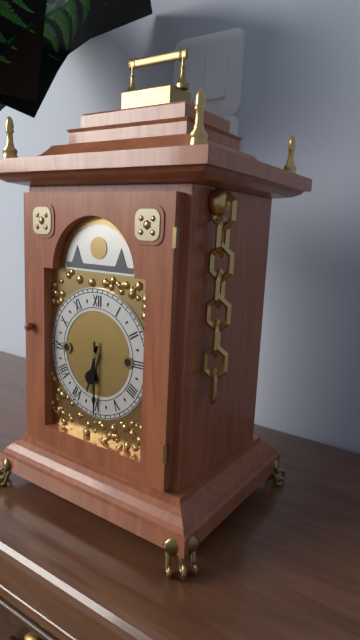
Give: 6h30
